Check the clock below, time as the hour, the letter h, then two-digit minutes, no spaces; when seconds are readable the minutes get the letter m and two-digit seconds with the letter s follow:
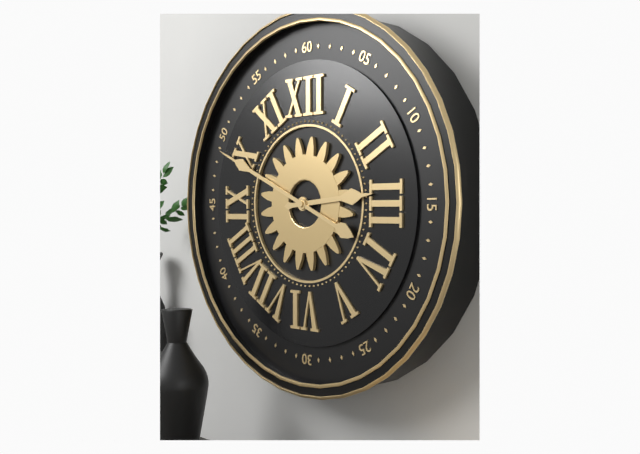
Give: 2h49
